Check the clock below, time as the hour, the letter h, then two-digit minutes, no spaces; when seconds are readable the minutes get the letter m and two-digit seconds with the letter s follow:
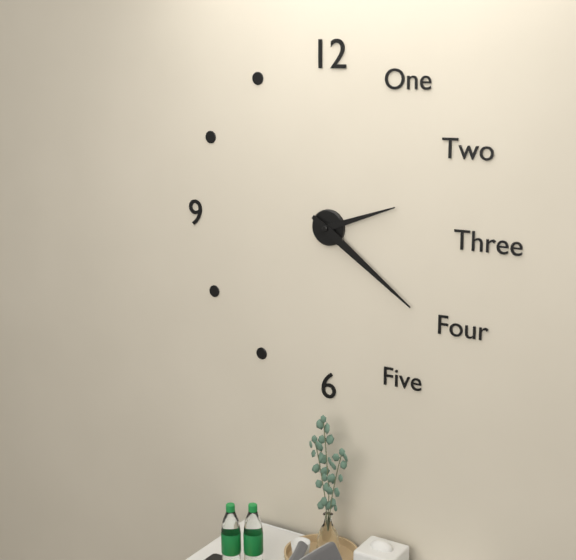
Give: 2h21
